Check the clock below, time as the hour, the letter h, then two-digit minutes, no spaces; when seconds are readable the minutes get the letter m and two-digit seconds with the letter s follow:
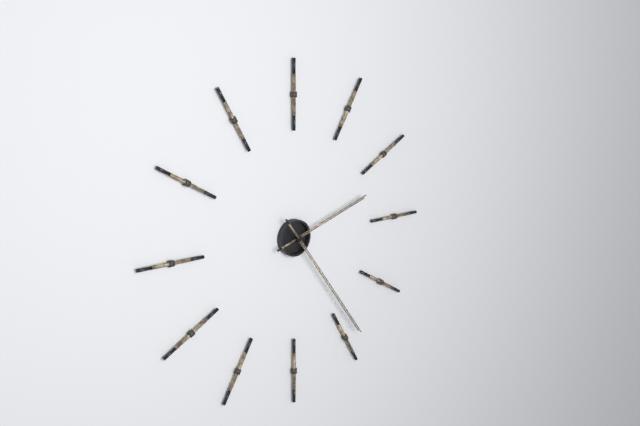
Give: 2h24
